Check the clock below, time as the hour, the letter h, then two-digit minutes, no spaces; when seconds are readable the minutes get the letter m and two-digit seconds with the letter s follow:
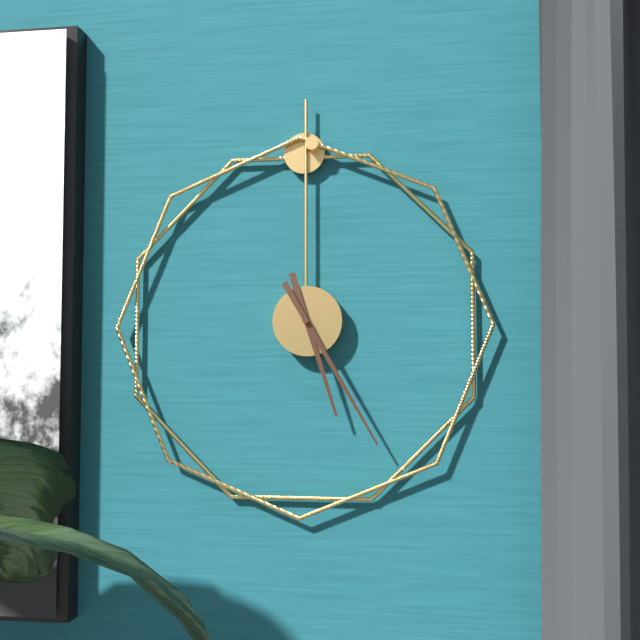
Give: 5h25
